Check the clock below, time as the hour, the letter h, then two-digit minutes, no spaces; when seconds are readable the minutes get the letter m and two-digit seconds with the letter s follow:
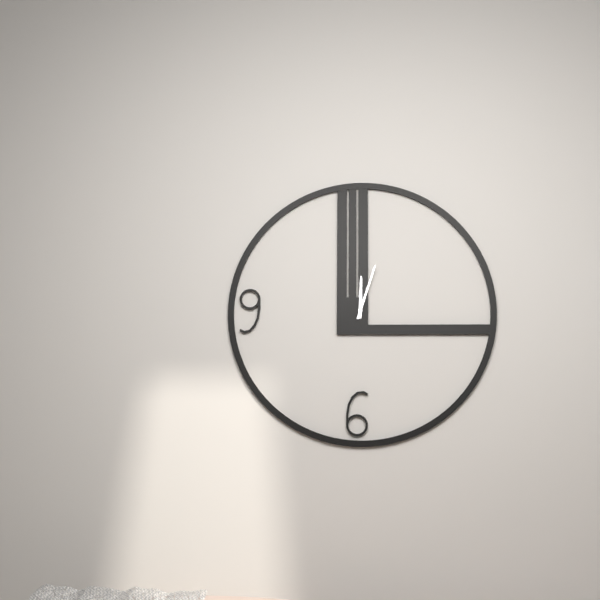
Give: 12h03
